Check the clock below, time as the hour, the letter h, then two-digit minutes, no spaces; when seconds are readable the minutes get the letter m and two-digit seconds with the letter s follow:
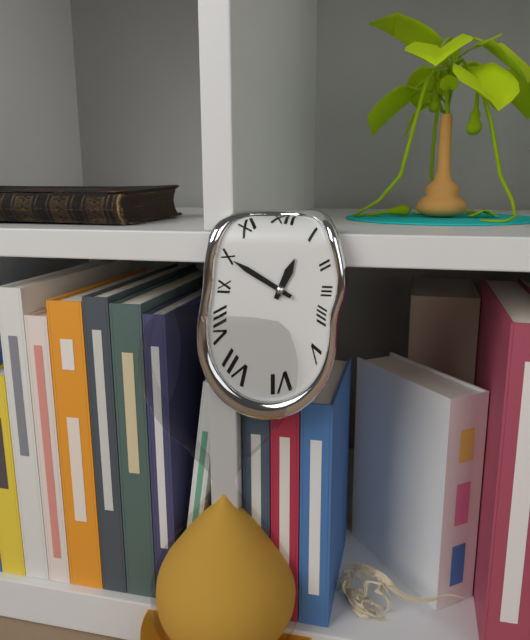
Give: 12h50
